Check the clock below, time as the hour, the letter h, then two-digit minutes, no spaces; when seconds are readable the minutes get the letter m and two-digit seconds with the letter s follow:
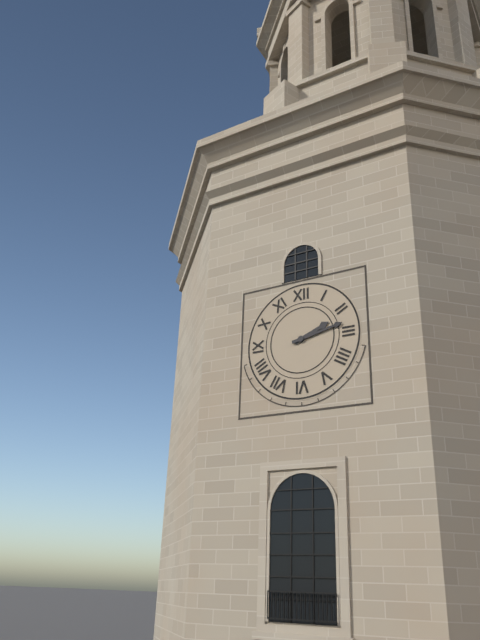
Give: 2h13
